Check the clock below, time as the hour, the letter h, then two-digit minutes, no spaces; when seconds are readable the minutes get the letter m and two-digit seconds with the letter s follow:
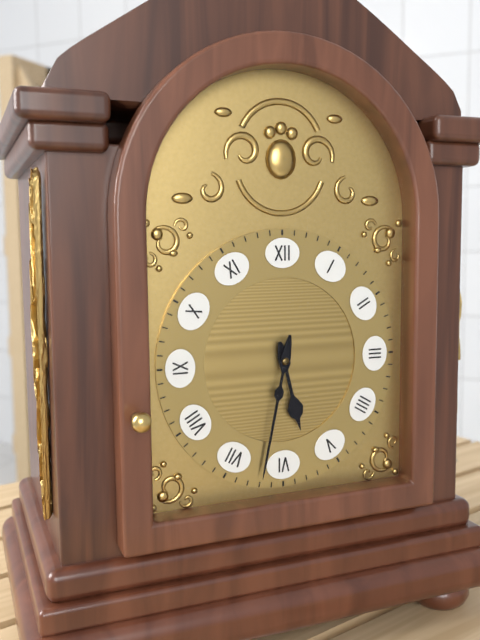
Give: 5h32
